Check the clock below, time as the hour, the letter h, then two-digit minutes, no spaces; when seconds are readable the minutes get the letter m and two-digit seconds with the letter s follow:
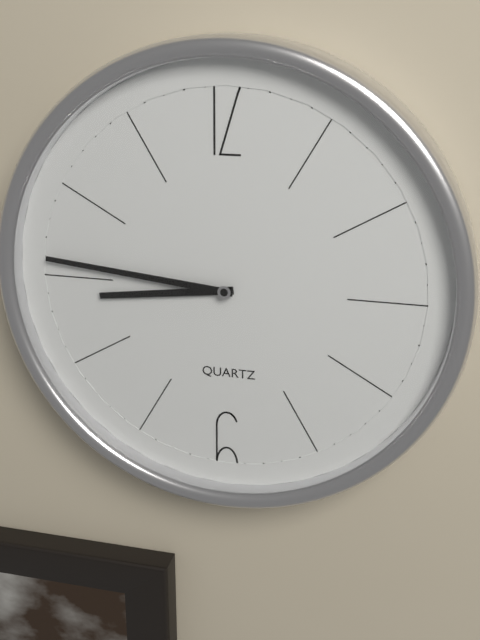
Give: 8h46
